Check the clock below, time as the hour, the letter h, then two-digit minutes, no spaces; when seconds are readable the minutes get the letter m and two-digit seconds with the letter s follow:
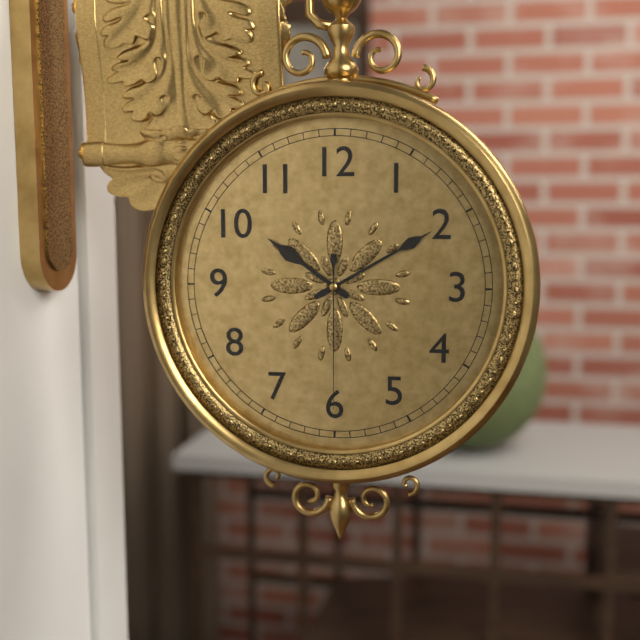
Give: 10h10m30s
